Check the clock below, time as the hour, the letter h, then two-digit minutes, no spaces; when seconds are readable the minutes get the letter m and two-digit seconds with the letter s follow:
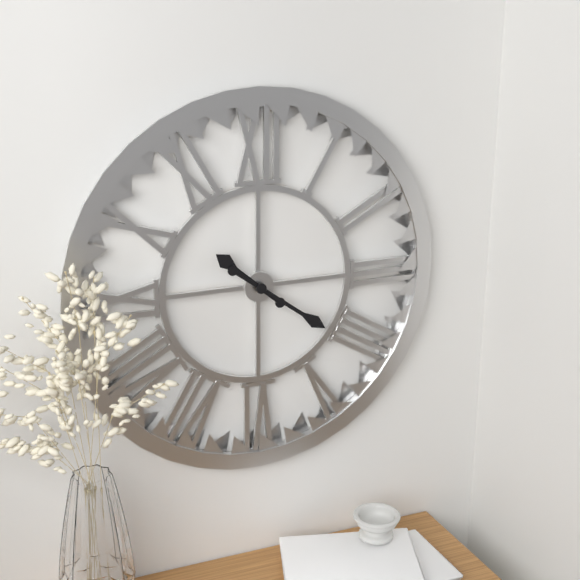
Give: 10h21
